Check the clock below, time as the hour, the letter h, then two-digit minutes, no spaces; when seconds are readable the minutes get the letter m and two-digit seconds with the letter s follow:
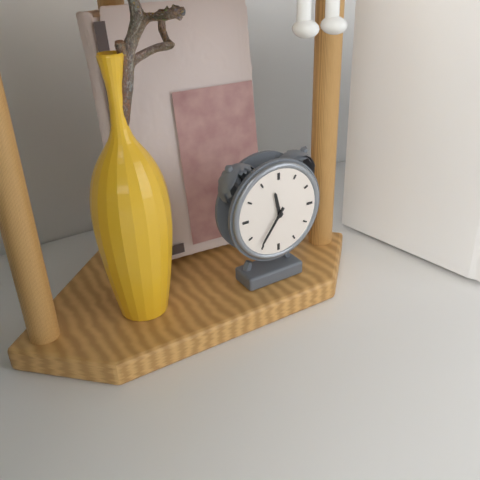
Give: 11h36
